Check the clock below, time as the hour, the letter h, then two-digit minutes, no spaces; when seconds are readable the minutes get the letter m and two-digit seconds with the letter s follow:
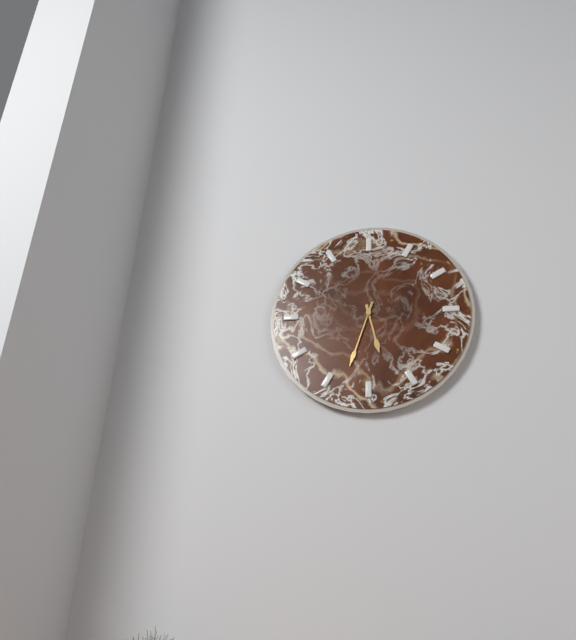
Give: 5h33
